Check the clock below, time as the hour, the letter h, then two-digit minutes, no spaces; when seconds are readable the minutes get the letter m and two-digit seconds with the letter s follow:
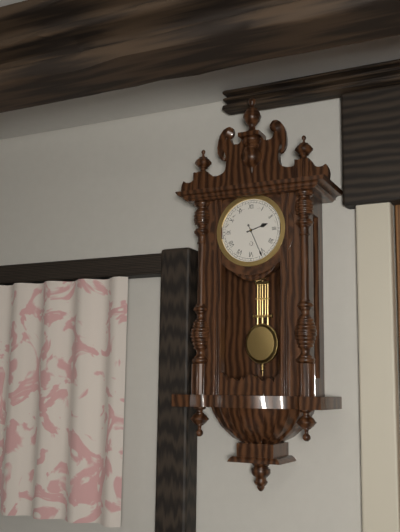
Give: 2h26
